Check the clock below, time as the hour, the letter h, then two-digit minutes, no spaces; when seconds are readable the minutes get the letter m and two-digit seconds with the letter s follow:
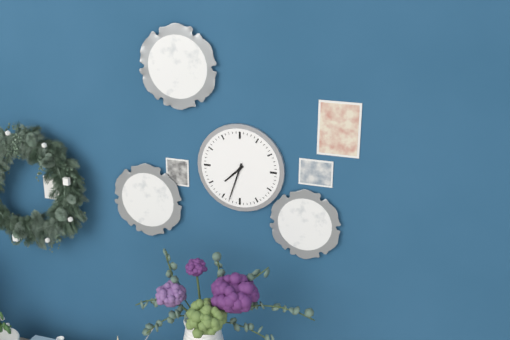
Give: 7h33
